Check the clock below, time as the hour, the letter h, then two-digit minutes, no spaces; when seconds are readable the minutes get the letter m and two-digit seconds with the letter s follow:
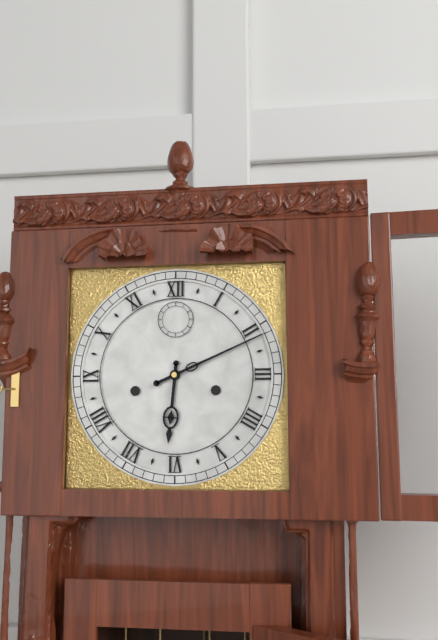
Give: 6h11
